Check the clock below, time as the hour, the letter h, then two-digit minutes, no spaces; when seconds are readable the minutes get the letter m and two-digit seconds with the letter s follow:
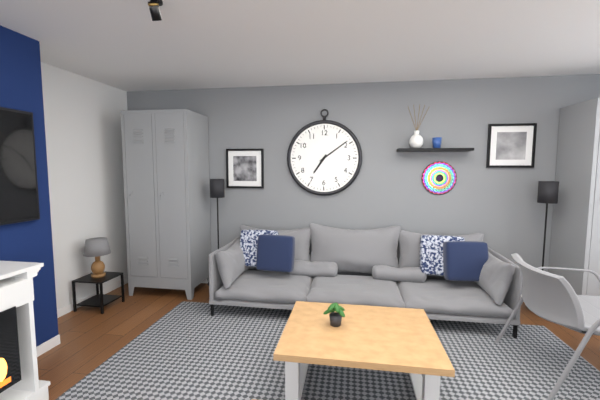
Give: 7h09
